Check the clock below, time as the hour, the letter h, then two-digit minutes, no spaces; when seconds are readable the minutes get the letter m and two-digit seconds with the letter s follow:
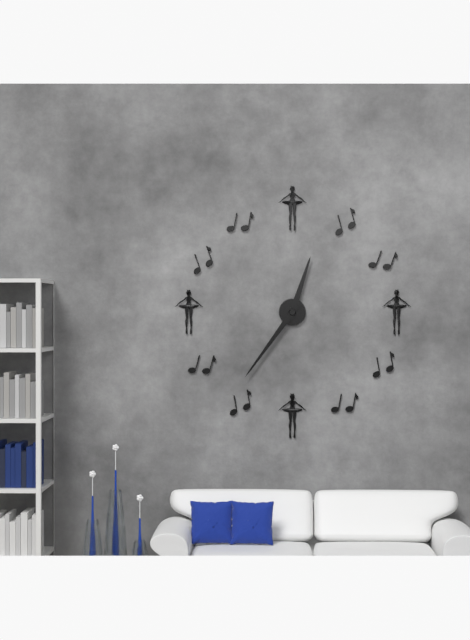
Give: 12h36
